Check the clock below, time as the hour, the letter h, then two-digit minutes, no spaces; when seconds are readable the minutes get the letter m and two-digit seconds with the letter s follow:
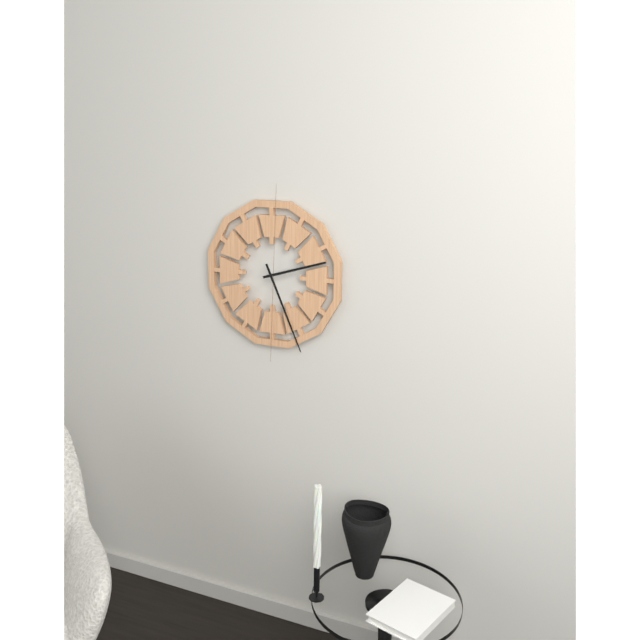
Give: 2h26
